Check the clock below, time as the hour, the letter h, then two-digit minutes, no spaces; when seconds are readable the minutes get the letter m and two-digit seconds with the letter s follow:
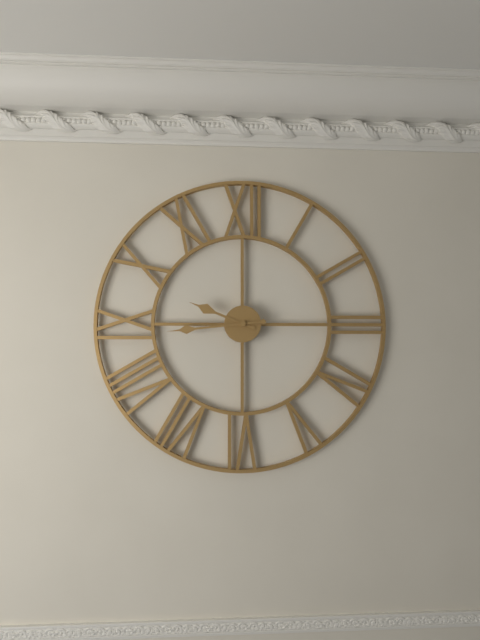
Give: 9h44
